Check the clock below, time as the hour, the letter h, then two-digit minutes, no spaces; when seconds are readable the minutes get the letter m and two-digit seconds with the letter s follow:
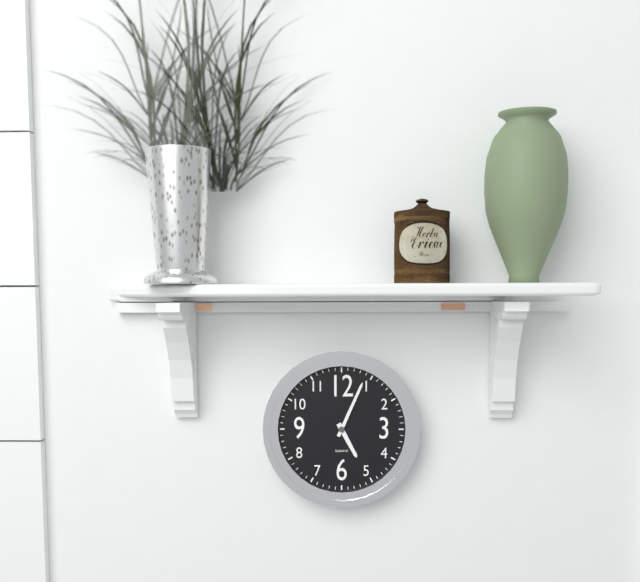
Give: 5h04
